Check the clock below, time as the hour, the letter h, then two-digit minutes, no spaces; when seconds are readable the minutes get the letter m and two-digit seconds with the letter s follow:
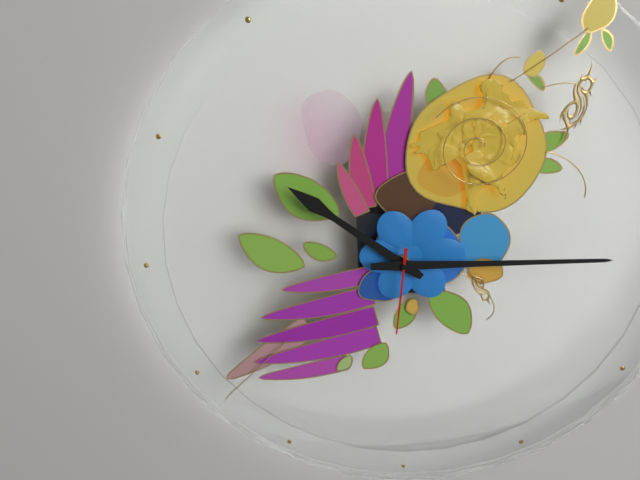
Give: 10h15m31s
